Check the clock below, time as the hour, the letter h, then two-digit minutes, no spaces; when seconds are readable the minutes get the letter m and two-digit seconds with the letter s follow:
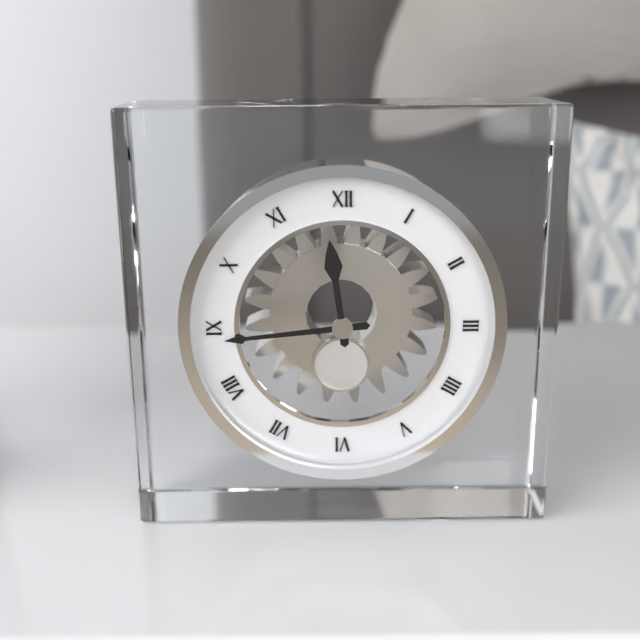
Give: 11h44
